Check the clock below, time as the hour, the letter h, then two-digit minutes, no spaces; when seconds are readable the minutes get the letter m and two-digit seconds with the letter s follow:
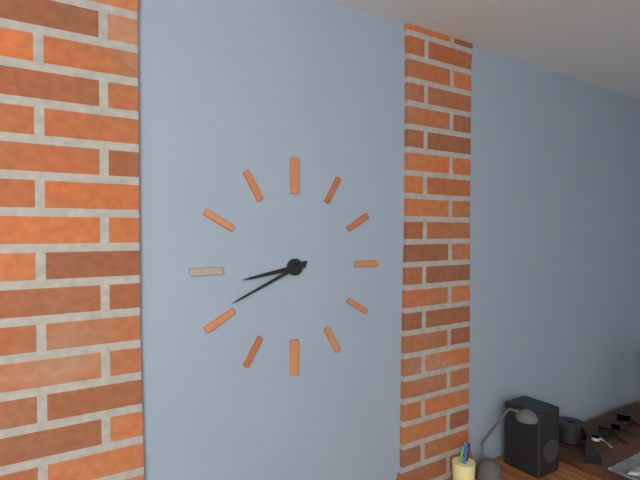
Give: 8h41
